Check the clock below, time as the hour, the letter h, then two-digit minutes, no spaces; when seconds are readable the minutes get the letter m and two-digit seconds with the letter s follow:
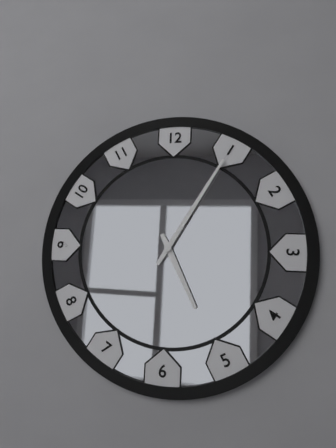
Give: 5h05
